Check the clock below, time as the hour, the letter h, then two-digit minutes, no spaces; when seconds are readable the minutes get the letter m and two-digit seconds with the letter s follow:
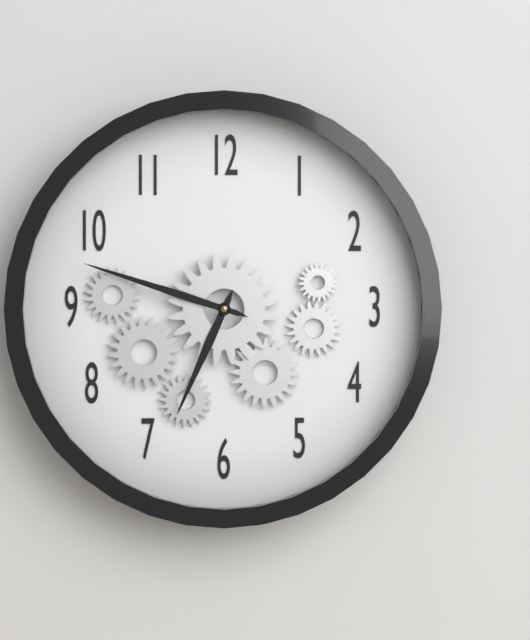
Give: 6h48
